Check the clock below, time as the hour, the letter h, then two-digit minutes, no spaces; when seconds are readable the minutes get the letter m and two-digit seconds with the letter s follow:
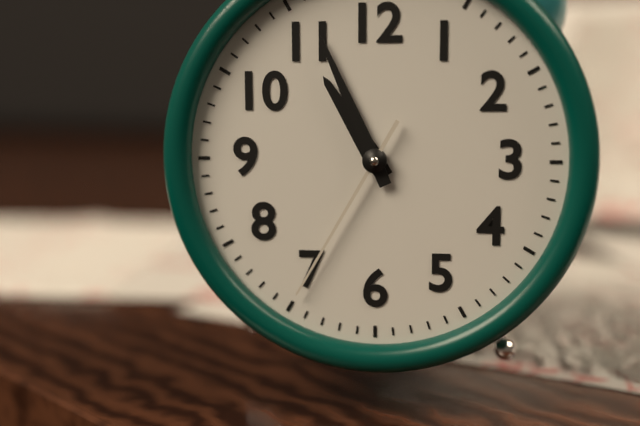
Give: 10h56m35s
